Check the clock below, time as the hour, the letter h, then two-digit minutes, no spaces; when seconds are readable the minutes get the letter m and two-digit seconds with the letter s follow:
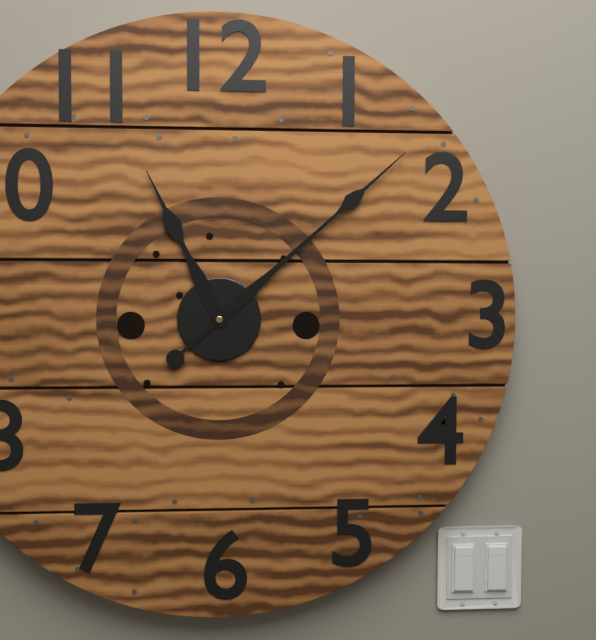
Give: 11h08
